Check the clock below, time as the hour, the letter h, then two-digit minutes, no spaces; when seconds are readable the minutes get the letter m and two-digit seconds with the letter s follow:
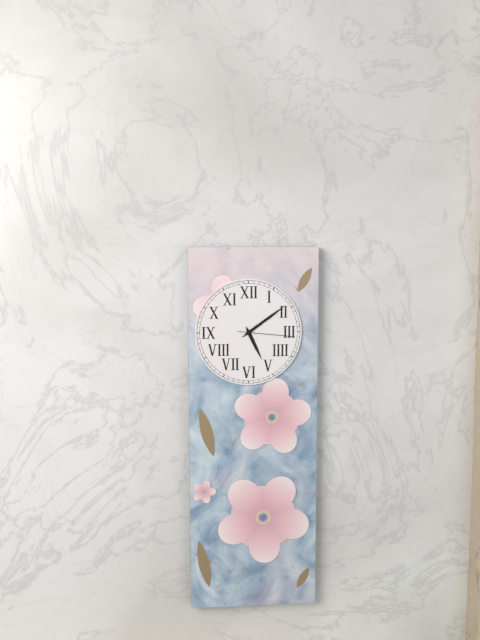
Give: 5h09m16s
